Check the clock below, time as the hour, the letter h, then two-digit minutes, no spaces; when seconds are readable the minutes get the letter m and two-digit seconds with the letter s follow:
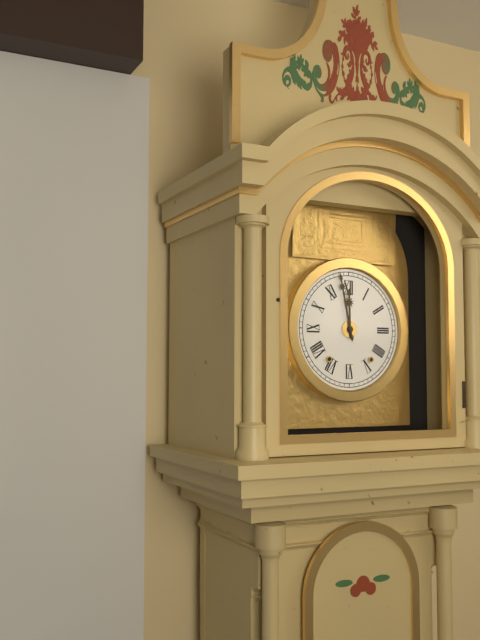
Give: 11h58
